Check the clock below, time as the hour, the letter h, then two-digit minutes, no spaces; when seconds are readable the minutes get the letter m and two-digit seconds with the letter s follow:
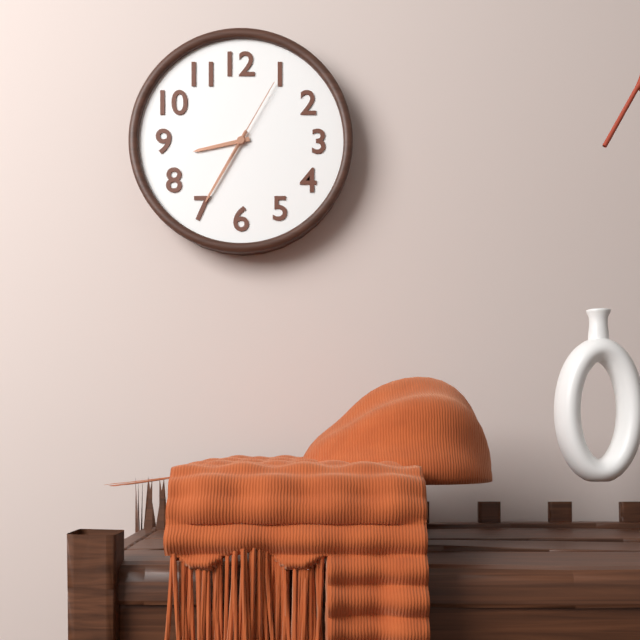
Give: 8h35m05s
